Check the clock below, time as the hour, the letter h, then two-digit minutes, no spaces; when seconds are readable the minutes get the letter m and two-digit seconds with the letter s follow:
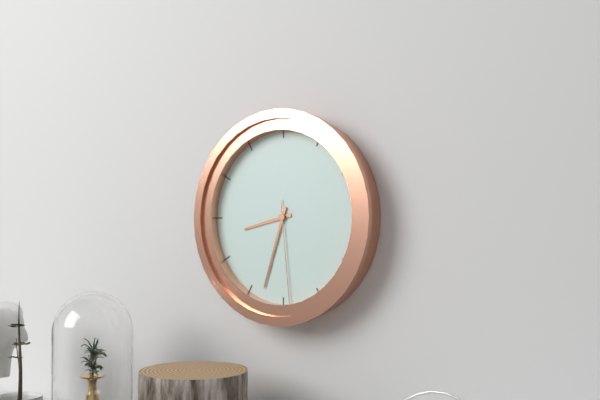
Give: 8h33m29s
